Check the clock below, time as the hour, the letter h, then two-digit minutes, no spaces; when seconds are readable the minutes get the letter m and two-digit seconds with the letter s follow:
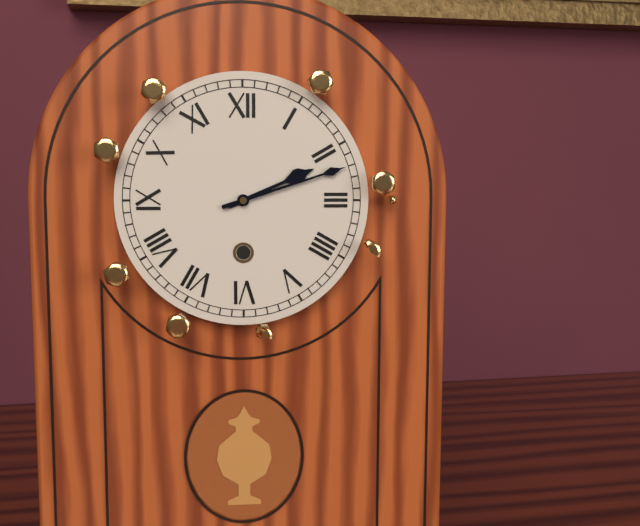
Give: 2h12
